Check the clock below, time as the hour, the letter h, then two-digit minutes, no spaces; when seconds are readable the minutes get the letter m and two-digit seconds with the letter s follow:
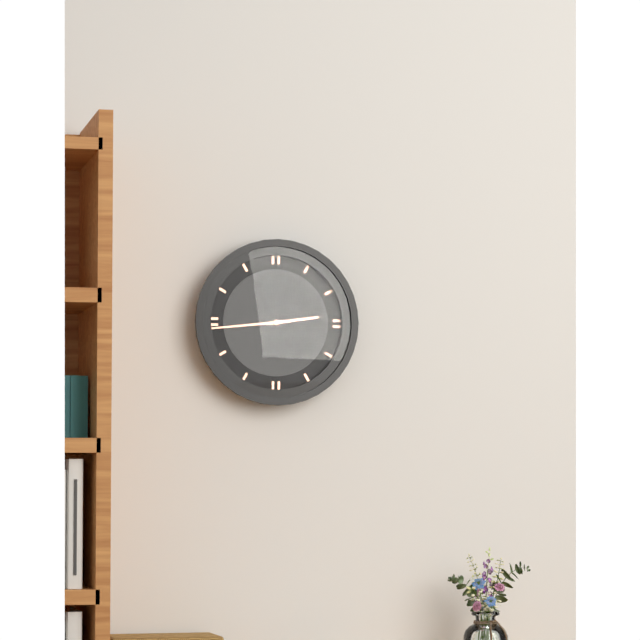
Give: 2h44
